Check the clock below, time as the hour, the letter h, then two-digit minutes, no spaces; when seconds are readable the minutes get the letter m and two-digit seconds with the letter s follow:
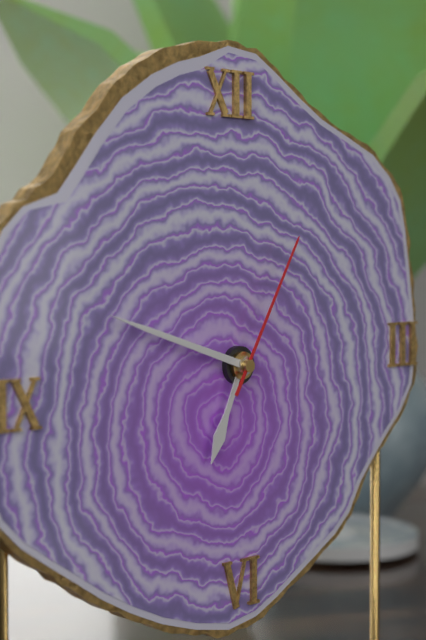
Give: 6h48m05s
